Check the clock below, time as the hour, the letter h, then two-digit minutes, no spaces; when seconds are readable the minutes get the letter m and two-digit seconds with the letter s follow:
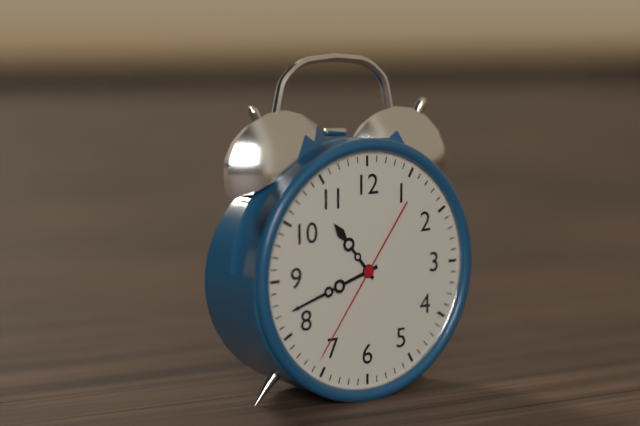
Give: 10h42m36s
